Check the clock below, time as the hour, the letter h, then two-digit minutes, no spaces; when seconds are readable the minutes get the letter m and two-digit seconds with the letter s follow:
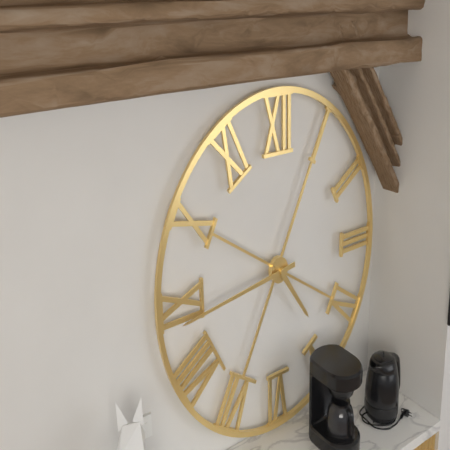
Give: 4h44
